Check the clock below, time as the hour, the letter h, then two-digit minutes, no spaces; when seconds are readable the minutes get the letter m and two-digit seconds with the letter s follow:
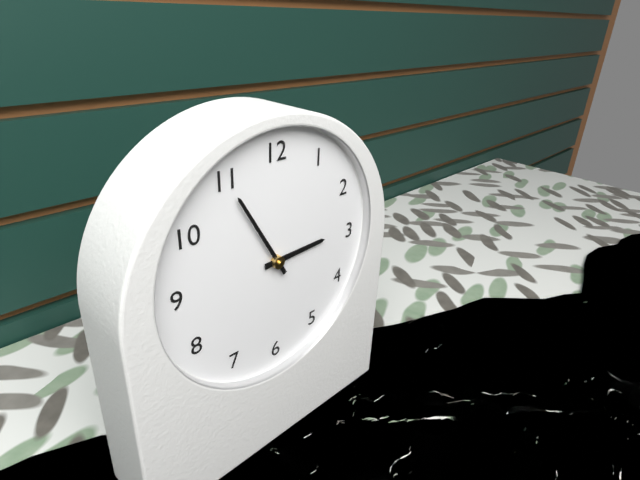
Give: 2h55
